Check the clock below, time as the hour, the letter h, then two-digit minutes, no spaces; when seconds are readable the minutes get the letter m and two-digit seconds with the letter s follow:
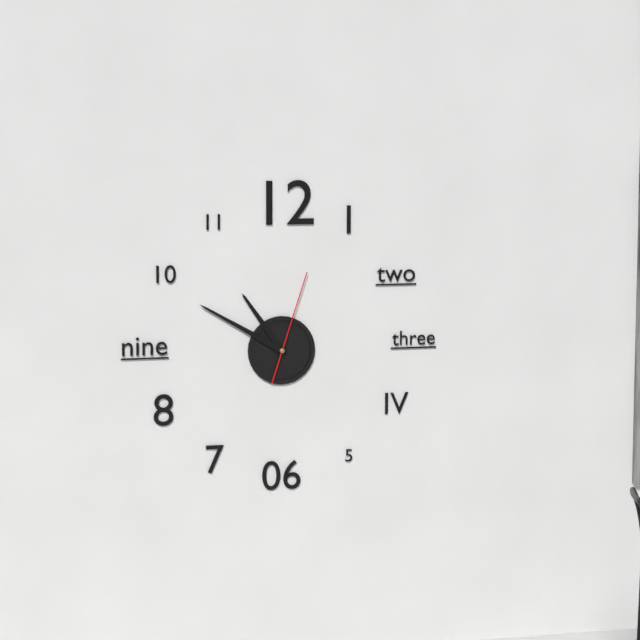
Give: 10h50m03s
